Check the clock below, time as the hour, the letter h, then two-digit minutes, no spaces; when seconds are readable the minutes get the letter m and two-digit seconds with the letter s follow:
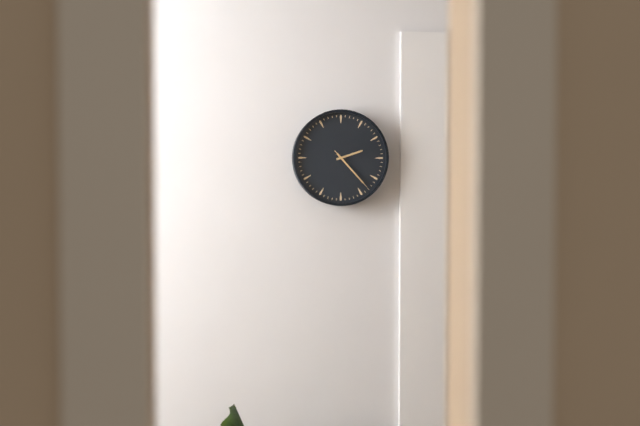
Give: 2h23
